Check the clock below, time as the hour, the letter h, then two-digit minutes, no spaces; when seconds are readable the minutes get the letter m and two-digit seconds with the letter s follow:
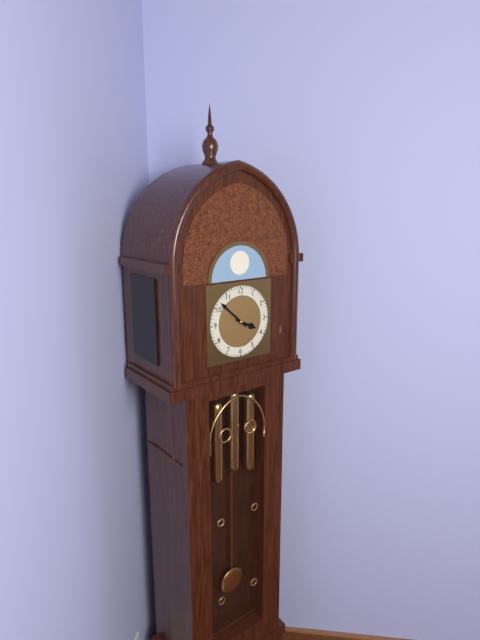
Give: 3h52
